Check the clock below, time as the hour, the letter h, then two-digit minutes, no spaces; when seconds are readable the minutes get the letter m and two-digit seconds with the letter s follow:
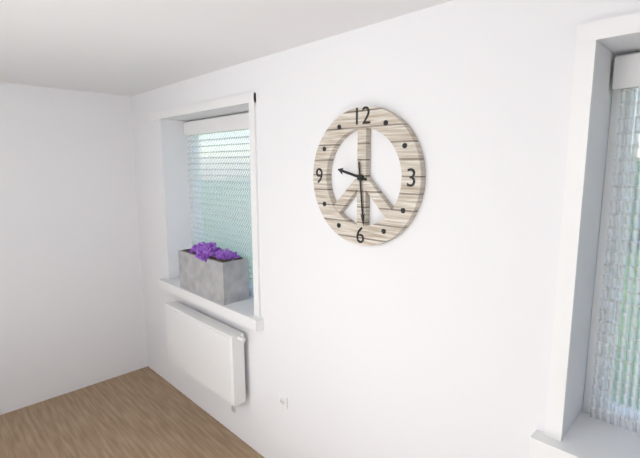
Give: 9h29
